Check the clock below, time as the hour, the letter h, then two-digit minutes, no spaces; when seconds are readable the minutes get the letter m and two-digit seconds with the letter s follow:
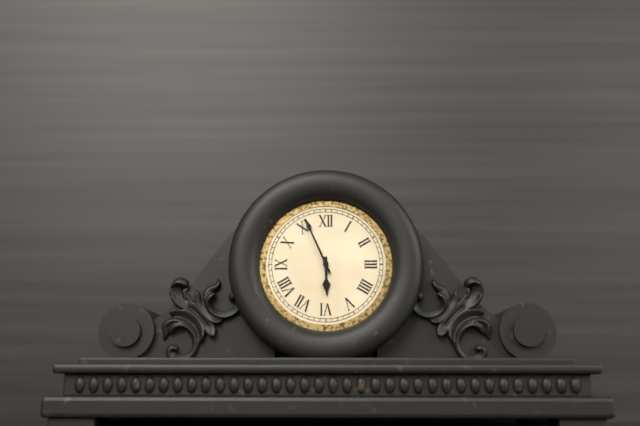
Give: 5h56
